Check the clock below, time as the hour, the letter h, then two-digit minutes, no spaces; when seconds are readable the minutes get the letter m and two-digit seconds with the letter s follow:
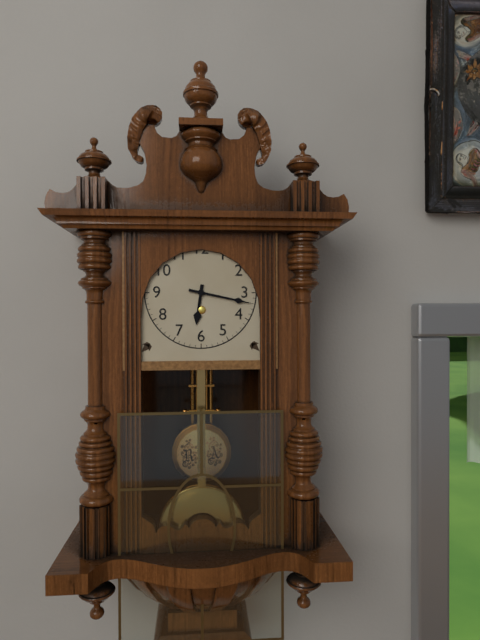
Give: 6h17
